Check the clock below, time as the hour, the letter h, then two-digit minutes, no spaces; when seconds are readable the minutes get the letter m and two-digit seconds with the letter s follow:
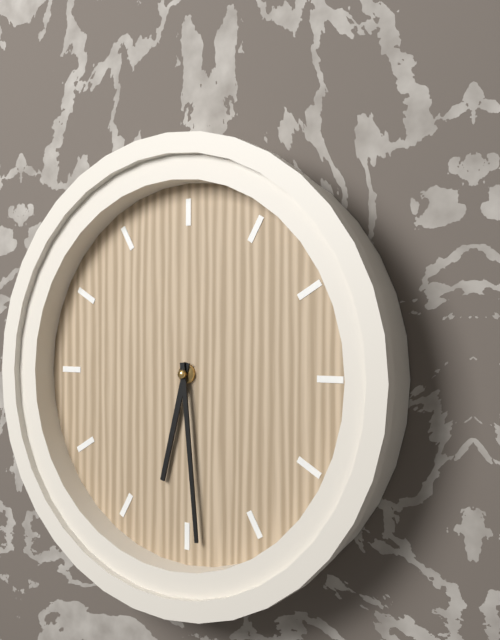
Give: 6h29
